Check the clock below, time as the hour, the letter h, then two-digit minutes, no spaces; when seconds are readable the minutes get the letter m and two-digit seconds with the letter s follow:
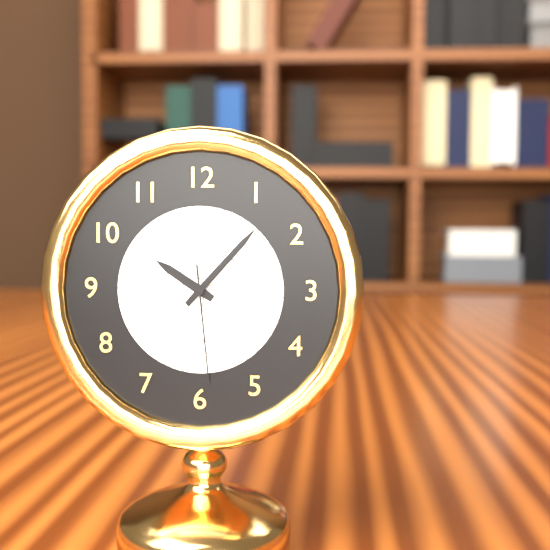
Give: 10h07m29s
